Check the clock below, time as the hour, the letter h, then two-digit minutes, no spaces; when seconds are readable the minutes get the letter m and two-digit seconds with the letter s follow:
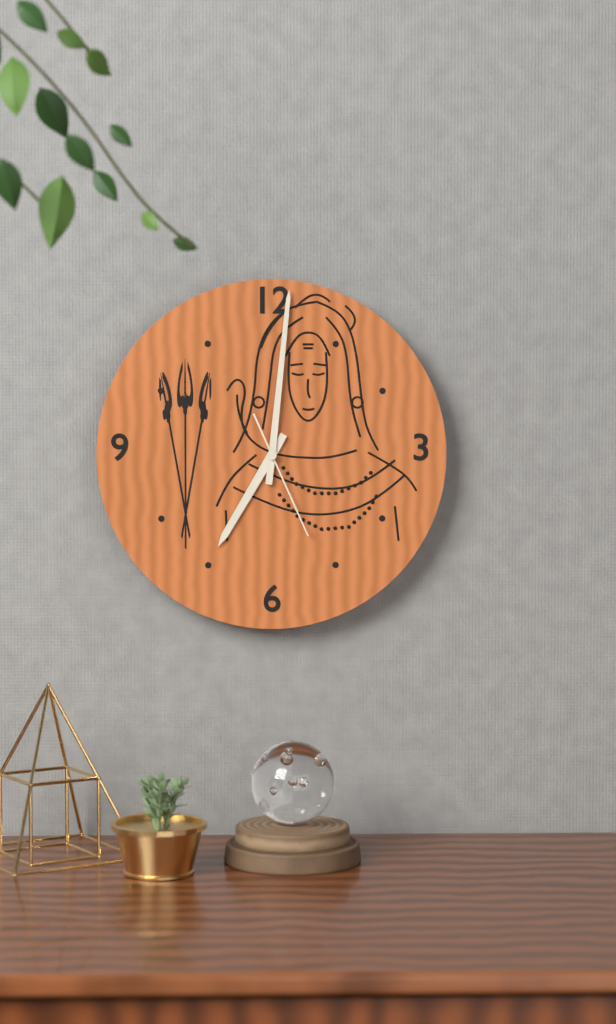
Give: 7h01m26s
